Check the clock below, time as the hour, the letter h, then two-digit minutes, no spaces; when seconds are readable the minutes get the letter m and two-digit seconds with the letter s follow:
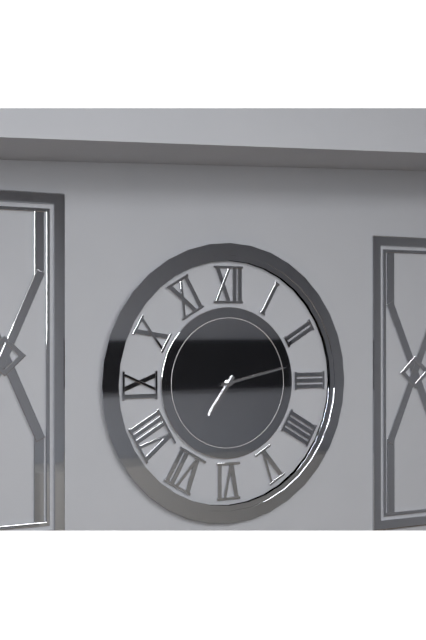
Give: 7h13
